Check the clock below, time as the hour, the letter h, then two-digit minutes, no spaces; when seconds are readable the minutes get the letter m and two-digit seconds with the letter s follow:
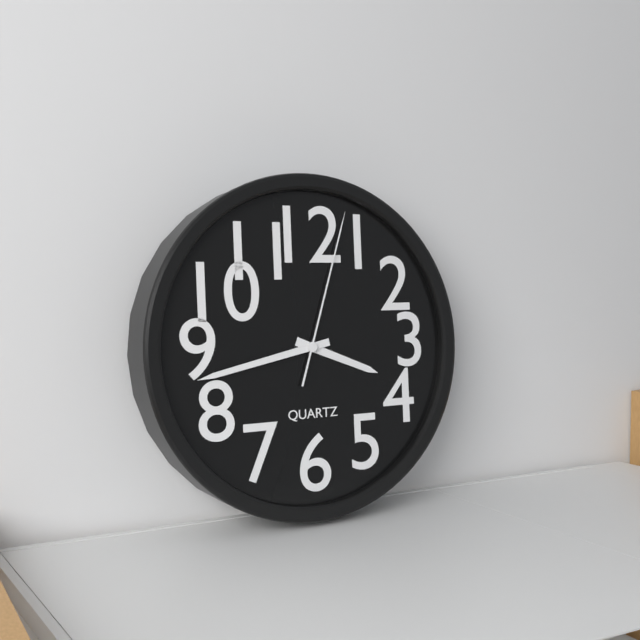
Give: 3h43m03s
